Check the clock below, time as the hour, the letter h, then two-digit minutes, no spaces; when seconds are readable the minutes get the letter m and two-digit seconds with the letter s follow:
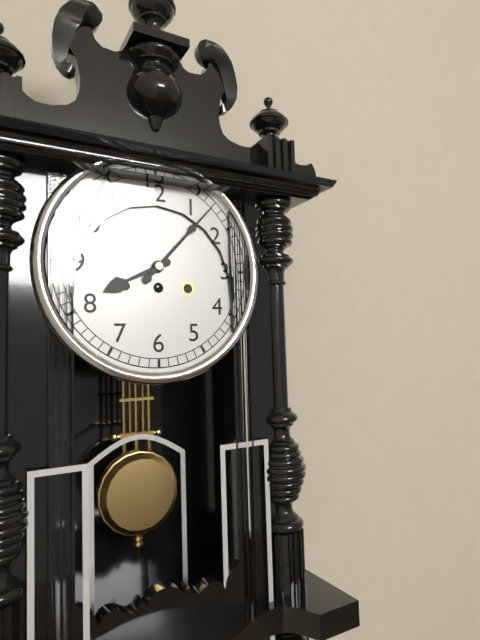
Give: 8h07
